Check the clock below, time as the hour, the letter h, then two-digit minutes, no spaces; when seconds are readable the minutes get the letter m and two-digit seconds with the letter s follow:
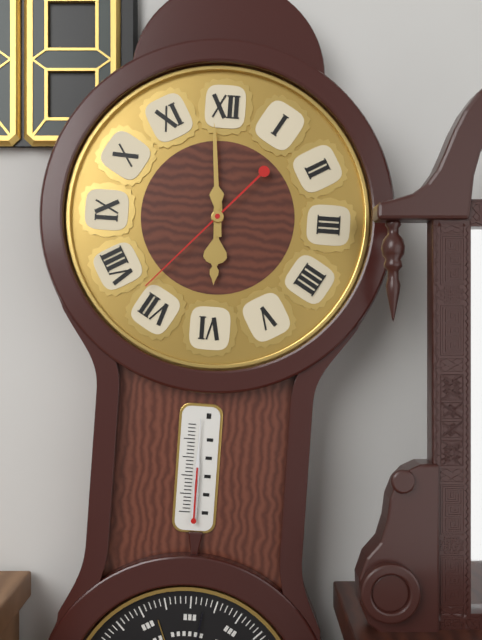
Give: 5h59m37s
